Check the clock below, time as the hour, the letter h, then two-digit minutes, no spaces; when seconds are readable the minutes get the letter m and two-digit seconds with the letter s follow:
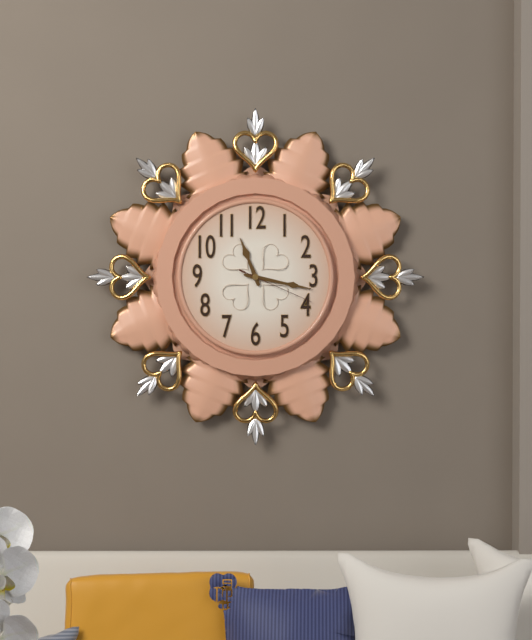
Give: 11h17m19s
